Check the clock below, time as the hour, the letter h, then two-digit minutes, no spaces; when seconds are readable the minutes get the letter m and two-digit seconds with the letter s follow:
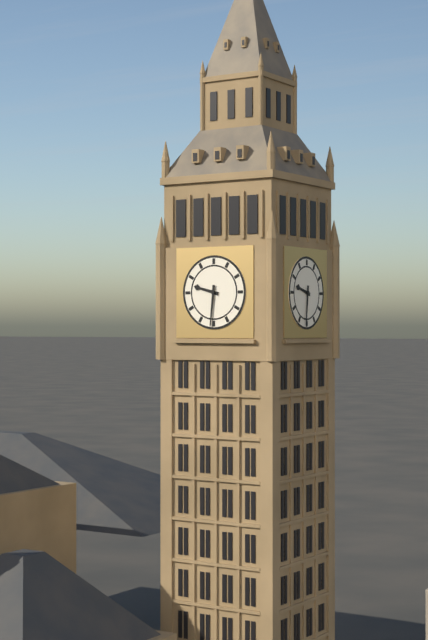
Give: 9h31
